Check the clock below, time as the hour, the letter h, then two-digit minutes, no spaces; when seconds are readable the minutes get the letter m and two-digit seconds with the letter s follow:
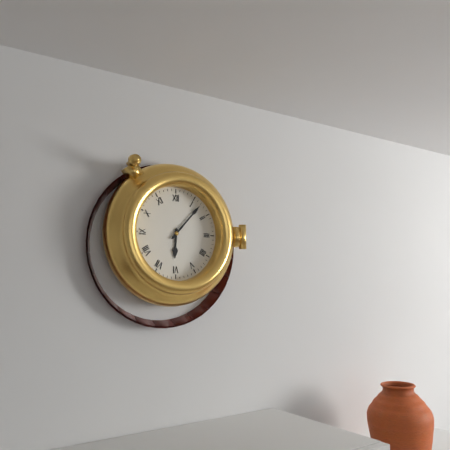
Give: 6h07
